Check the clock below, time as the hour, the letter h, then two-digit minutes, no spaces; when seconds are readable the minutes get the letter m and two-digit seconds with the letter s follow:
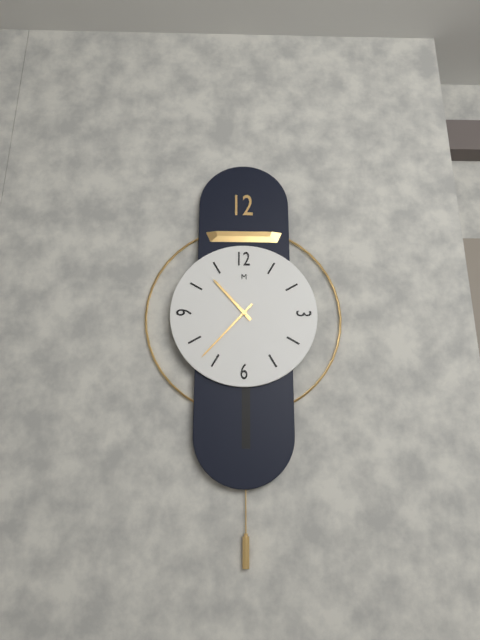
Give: 10h37
